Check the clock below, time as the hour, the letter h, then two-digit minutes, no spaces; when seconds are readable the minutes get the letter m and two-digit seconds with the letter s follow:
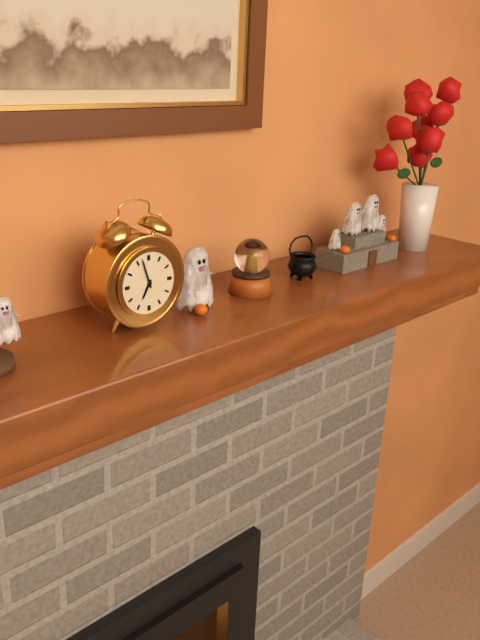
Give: 6h57
